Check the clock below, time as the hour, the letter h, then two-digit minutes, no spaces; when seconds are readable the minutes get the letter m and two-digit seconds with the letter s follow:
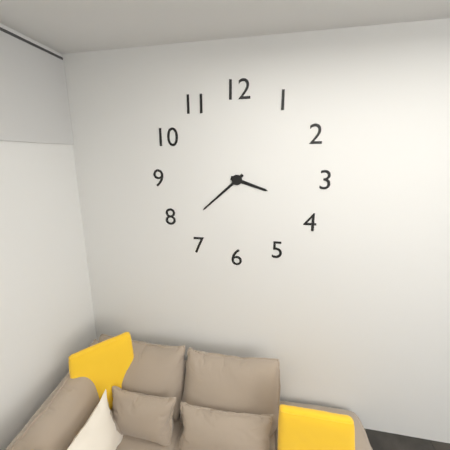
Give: 3h38
